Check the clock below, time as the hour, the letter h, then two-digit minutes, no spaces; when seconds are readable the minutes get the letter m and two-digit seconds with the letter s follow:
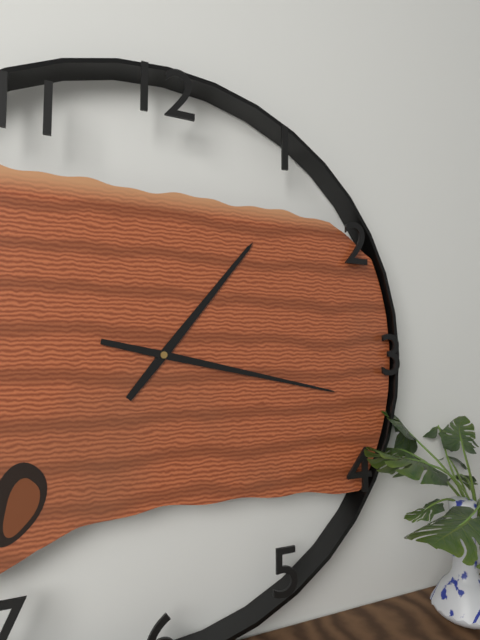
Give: 1h17
